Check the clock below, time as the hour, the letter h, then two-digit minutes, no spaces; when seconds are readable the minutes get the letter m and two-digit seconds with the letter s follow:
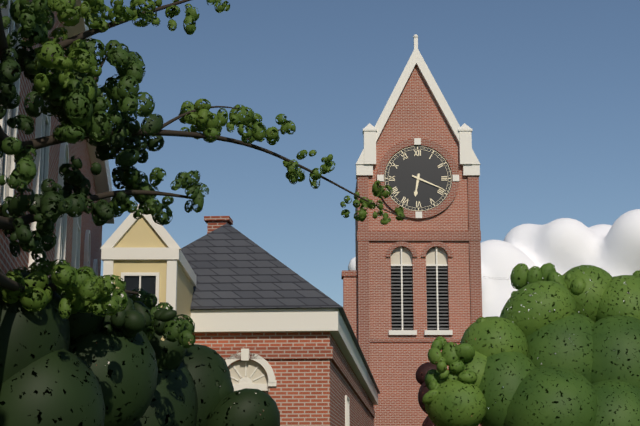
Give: 6h19
